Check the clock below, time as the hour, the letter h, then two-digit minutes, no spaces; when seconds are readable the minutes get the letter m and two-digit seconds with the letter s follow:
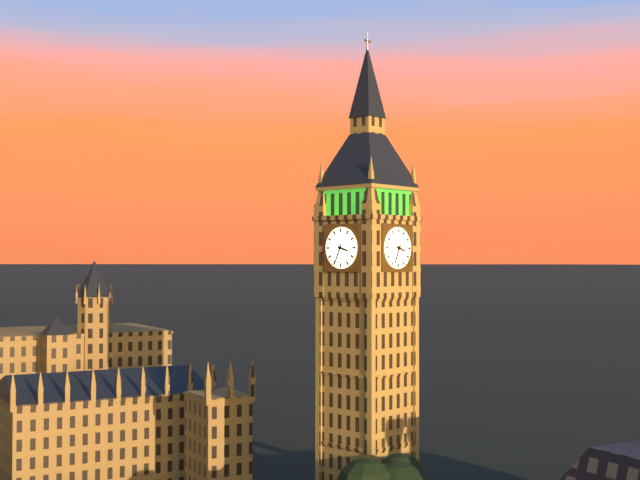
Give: 3h34
